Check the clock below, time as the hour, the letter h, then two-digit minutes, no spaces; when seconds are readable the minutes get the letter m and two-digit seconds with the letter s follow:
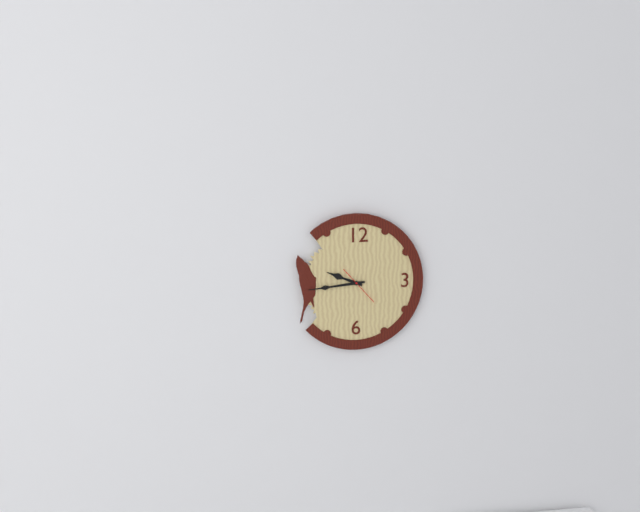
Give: 9h44
